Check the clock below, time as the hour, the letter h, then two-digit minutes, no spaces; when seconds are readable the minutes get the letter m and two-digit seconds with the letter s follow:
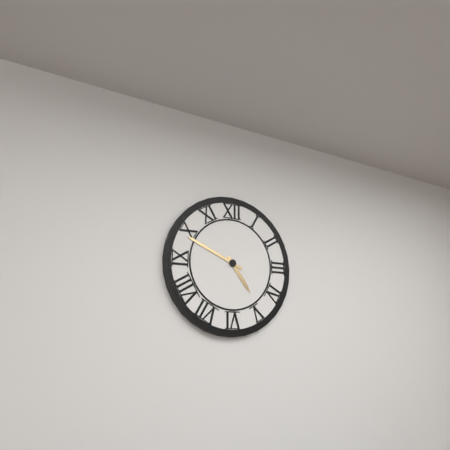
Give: 4h49
